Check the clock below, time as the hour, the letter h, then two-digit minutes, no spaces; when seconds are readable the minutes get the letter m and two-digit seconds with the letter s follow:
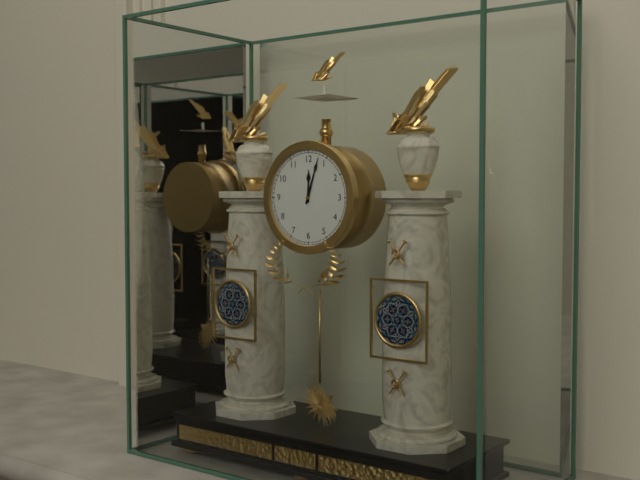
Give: 12h03
